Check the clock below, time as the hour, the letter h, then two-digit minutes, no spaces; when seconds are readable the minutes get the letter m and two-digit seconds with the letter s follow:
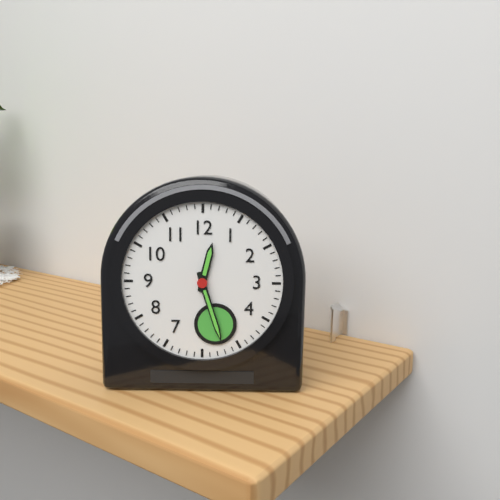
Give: 12h27
